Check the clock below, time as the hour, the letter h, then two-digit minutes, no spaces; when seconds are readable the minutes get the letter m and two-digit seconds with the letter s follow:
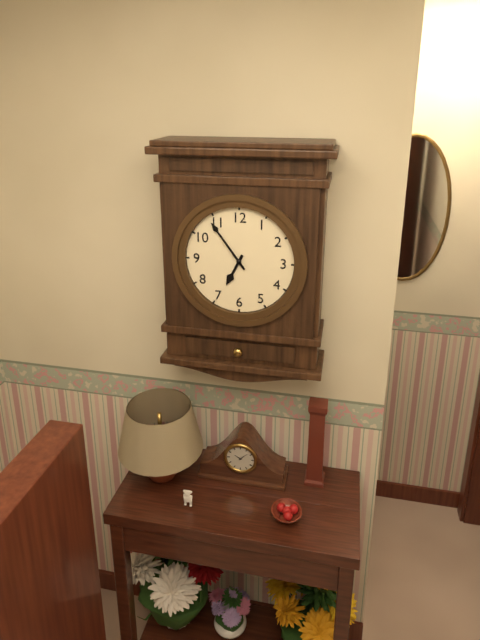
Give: 6h54
